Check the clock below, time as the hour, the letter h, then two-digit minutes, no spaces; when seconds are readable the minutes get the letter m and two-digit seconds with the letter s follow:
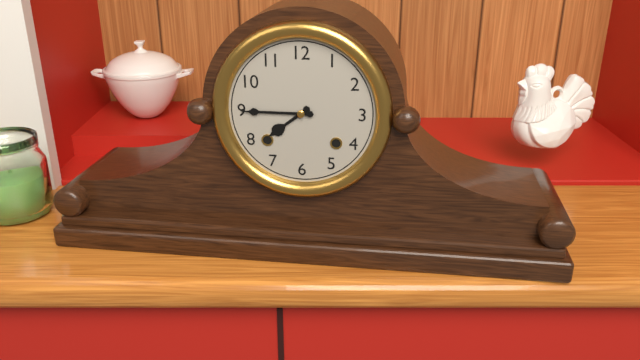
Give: 7h45
